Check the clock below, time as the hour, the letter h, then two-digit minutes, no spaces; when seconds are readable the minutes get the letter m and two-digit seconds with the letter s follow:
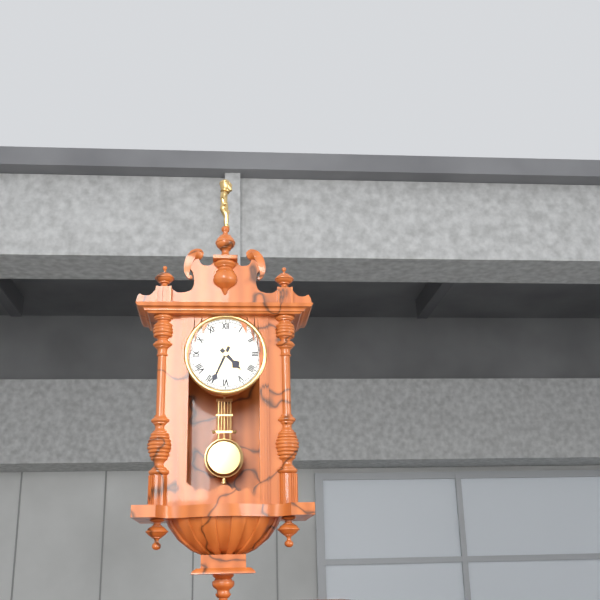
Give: 4h34
